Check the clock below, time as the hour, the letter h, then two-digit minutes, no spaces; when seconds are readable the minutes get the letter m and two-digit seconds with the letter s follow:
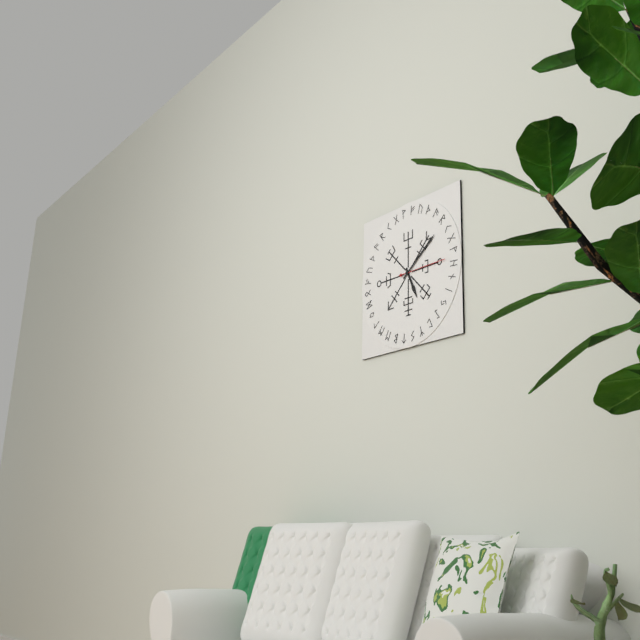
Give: 5h09
